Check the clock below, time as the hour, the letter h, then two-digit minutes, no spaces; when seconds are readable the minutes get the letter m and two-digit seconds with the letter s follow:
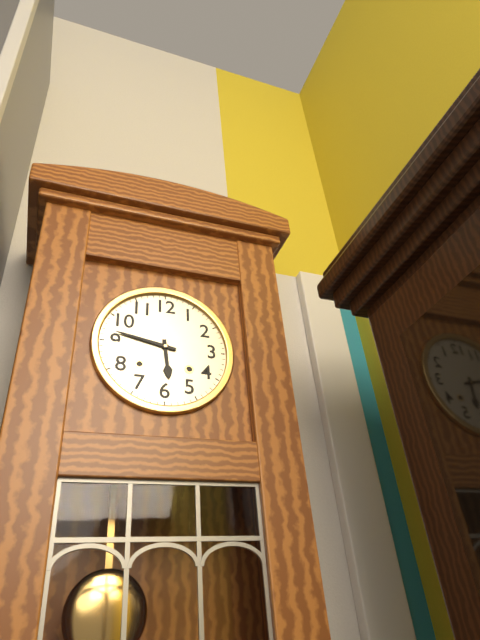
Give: 5h47
